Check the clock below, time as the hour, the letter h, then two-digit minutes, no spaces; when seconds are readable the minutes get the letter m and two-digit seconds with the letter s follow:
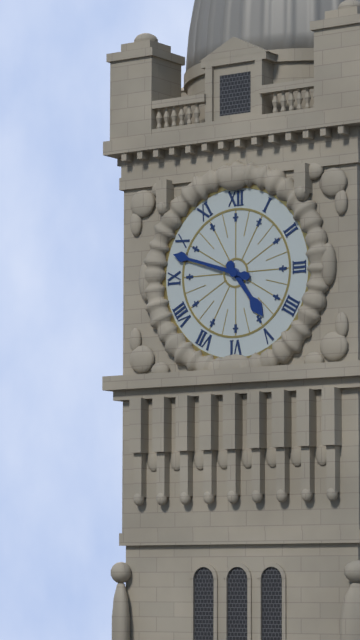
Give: 4h48
